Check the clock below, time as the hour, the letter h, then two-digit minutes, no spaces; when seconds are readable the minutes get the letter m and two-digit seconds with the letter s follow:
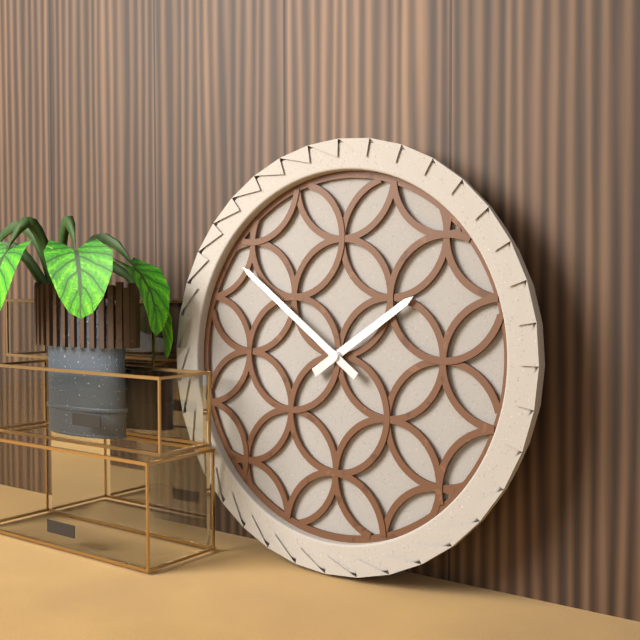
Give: 1h51
